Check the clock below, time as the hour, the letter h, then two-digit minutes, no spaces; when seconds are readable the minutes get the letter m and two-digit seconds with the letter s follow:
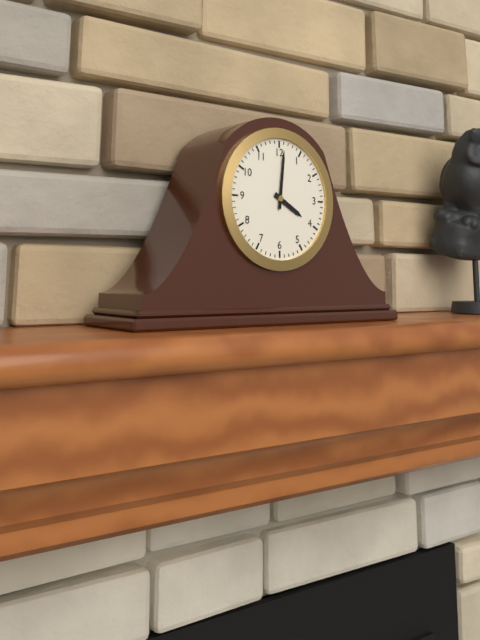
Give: 4h01
